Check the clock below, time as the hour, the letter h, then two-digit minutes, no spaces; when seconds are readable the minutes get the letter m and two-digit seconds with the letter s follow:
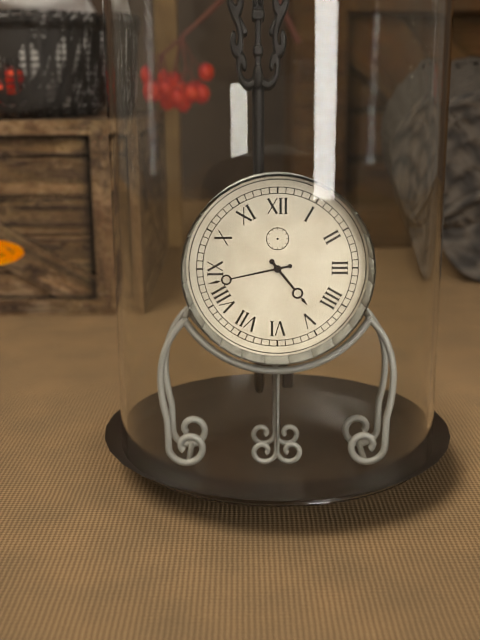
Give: 4h43
